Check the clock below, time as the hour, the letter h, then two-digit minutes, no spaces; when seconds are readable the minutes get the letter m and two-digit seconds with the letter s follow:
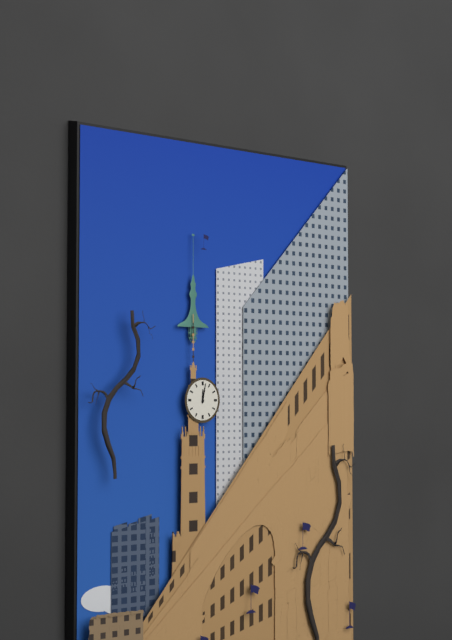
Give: 12h02
